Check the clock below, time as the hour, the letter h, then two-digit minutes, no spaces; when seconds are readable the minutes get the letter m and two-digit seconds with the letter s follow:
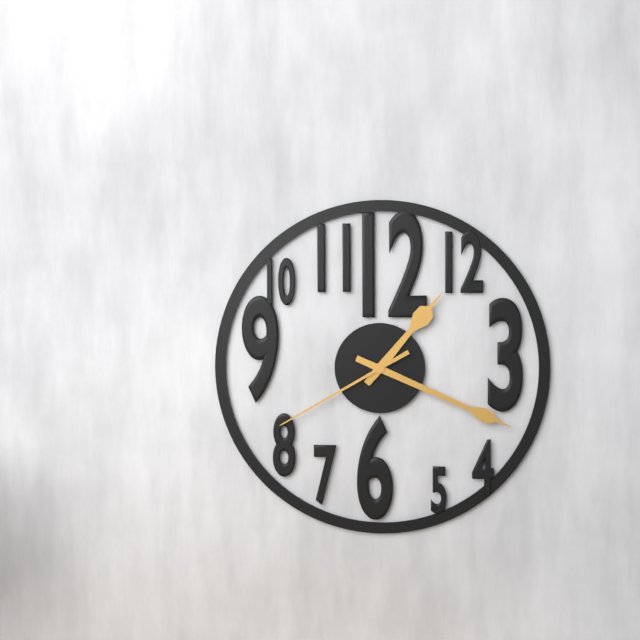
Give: 1h19m40s
